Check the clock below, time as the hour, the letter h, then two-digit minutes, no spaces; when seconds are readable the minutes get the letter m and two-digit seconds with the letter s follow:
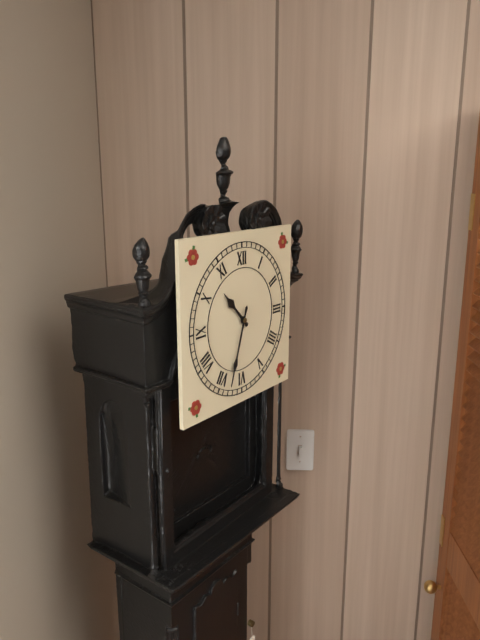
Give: 10h33
